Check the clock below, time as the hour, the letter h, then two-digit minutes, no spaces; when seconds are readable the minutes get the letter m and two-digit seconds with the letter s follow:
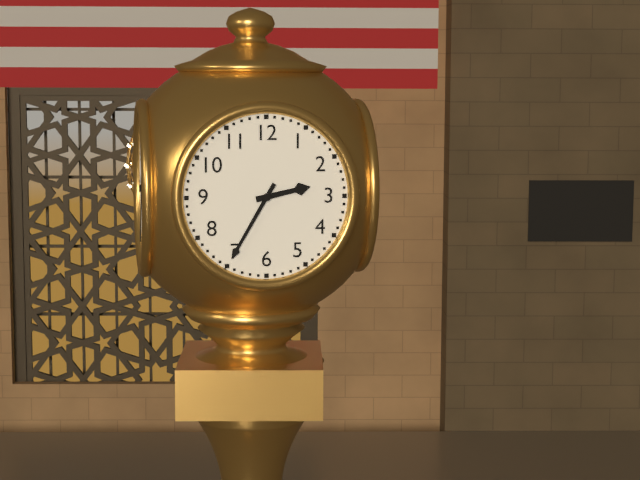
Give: 2h35
